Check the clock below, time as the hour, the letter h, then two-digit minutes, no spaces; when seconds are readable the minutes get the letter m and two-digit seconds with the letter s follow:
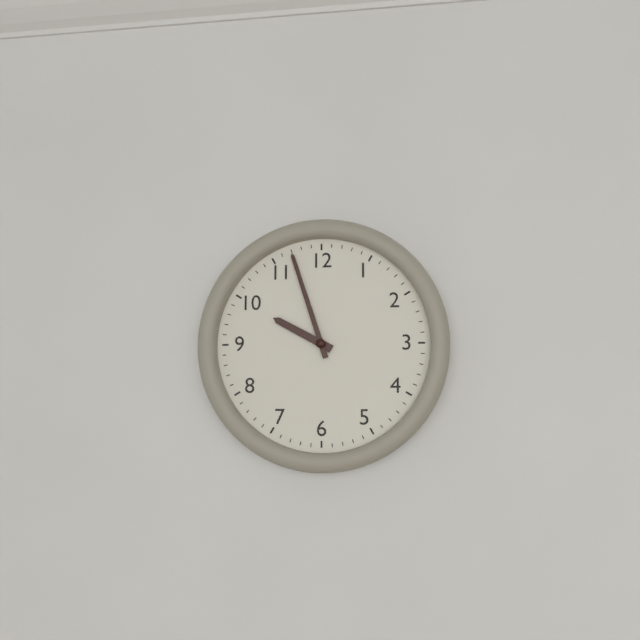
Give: 9h57
